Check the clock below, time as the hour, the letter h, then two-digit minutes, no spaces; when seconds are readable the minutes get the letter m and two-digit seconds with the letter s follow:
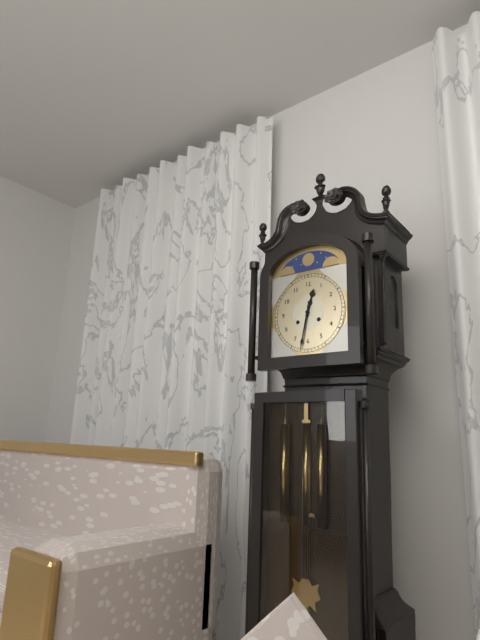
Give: 12h32
